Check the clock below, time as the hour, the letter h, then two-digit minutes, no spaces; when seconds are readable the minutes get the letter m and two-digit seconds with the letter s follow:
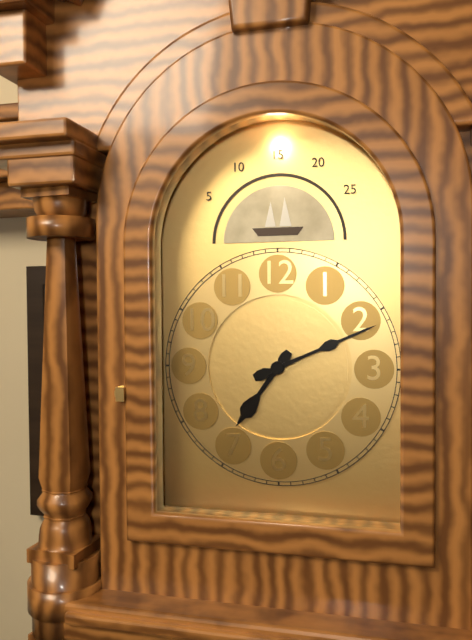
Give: 7h11
